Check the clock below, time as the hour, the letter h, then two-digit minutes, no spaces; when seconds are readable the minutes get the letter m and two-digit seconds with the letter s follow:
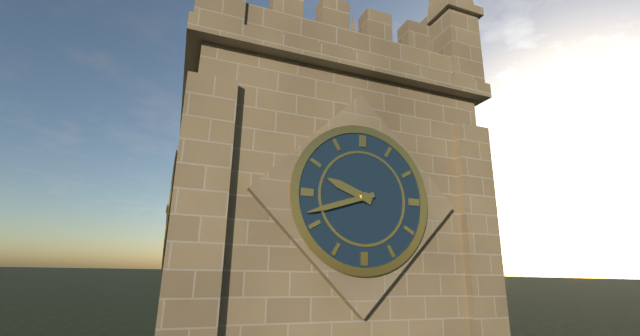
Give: 9h42
